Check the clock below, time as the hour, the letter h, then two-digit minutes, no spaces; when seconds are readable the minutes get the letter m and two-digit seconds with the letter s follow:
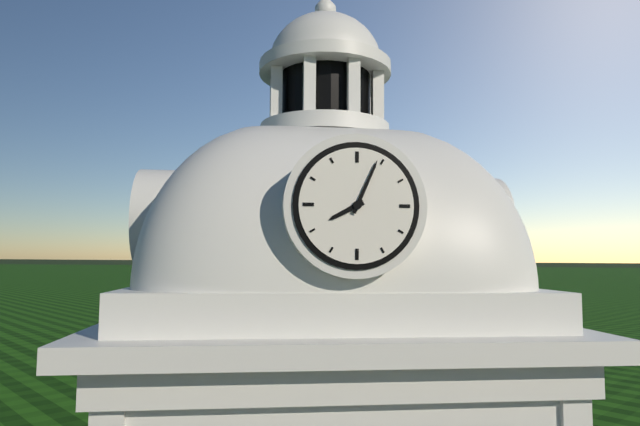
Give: 8h04
